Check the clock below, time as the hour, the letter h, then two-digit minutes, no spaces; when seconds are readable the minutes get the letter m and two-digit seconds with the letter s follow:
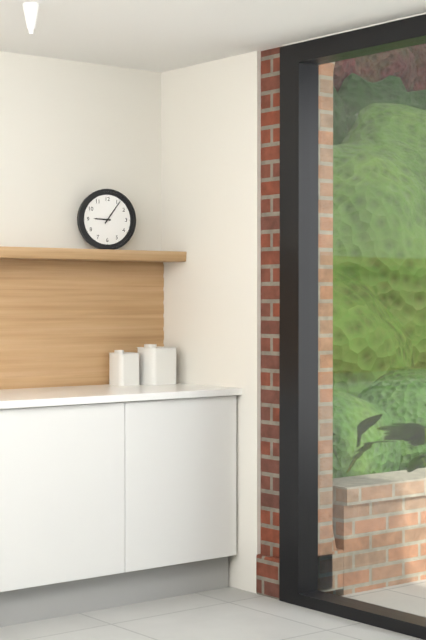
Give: 9h06
